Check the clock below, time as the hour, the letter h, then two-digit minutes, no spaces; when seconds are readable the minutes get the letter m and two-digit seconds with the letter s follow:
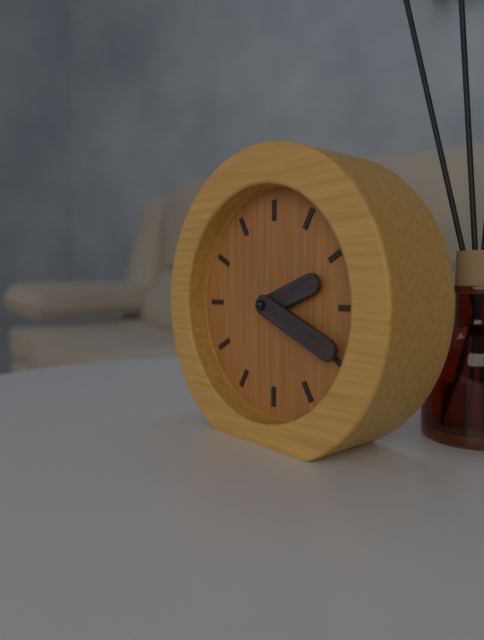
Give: 2h19
